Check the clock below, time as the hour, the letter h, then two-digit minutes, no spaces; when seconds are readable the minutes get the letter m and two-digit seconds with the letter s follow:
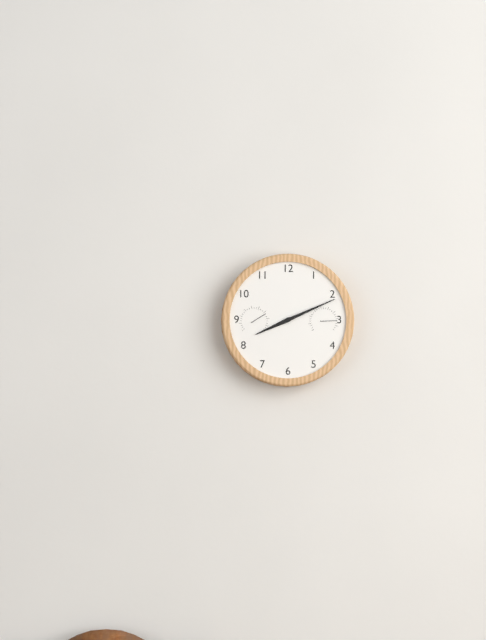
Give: 8h11
